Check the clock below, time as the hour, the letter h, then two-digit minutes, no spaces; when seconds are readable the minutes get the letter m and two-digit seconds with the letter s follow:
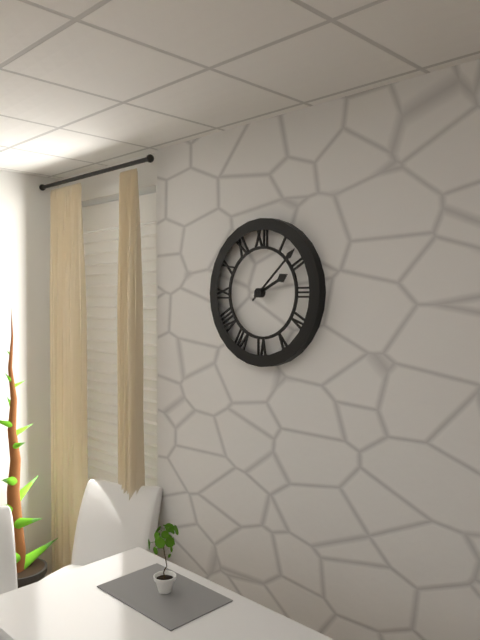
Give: 2h08
